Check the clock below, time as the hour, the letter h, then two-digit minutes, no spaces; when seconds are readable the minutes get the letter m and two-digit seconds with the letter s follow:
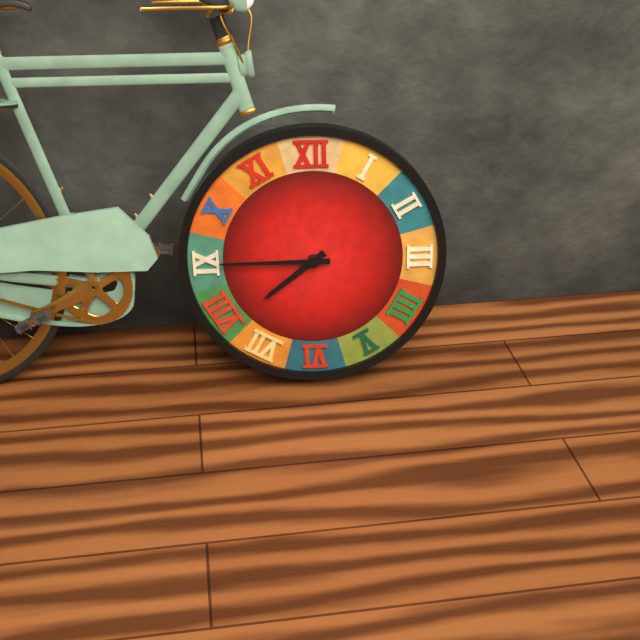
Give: 7h45
